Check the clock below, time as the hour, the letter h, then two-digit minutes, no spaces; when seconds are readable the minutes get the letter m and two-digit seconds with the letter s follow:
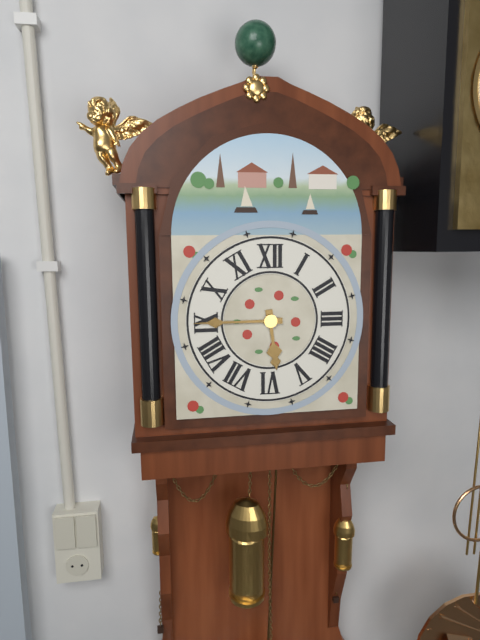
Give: 5h45
